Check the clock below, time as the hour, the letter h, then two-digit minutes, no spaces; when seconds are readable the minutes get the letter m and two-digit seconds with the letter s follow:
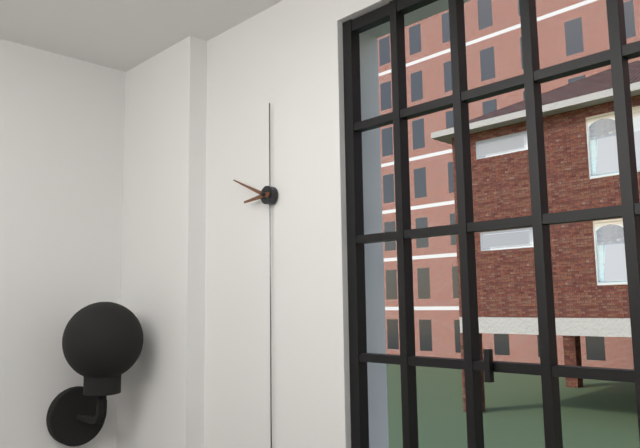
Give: 8h49
